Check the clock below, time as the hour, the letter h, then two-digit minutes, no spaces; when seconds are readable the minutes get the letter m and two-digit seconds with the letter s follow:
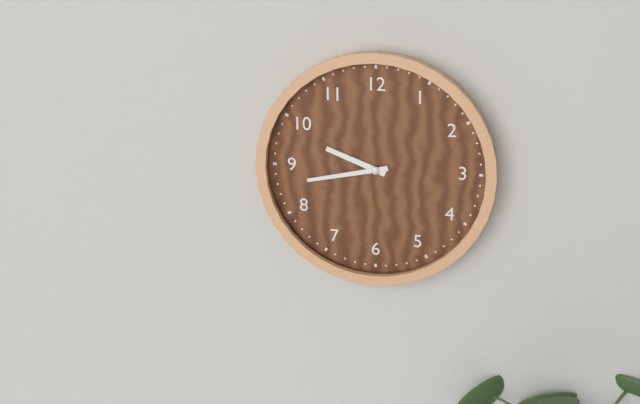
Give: 9h43
